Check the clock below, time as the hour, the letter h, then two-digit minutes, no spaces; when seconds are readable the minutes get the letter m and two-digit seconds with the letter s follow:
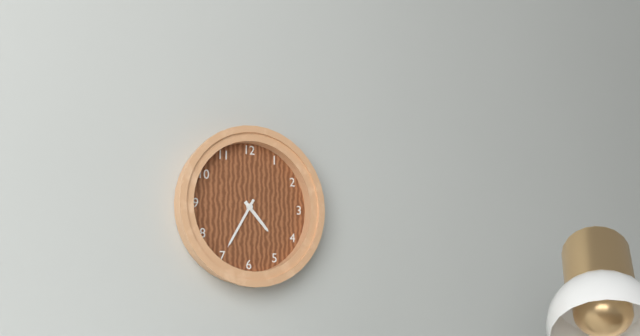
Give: 4h35
